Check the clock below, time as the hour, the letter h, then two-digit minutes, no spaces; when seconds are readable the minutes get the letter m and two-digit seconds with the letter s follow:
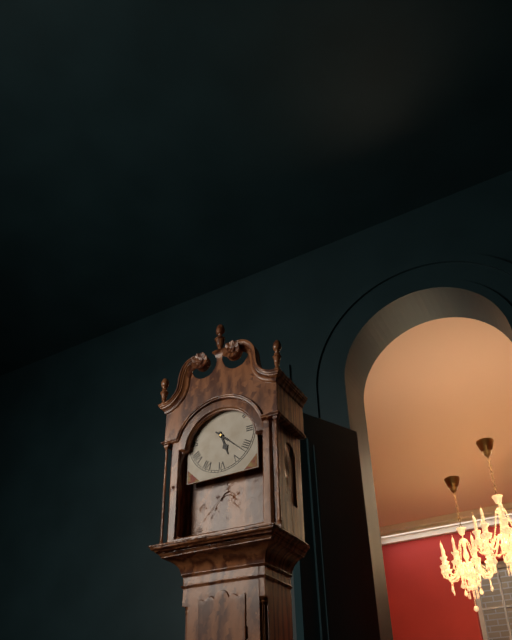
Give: 5h22
